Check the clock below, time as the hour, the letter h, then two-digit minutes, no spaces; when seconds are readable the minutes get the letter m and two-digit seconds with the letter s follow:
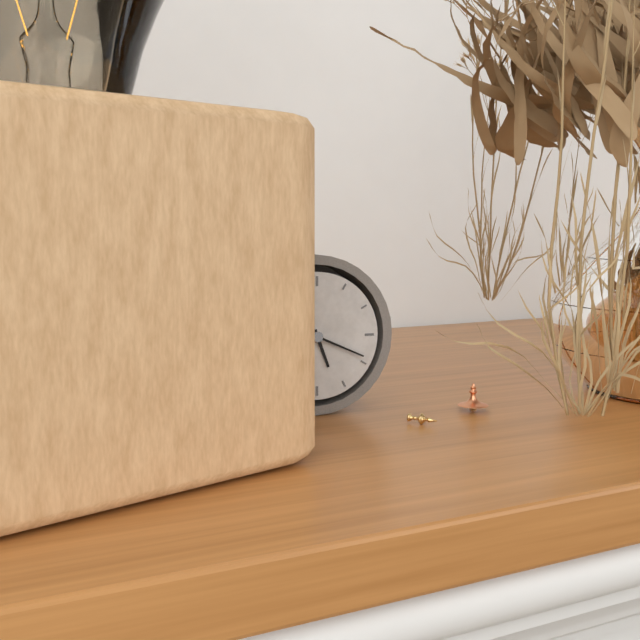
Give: 5h19
